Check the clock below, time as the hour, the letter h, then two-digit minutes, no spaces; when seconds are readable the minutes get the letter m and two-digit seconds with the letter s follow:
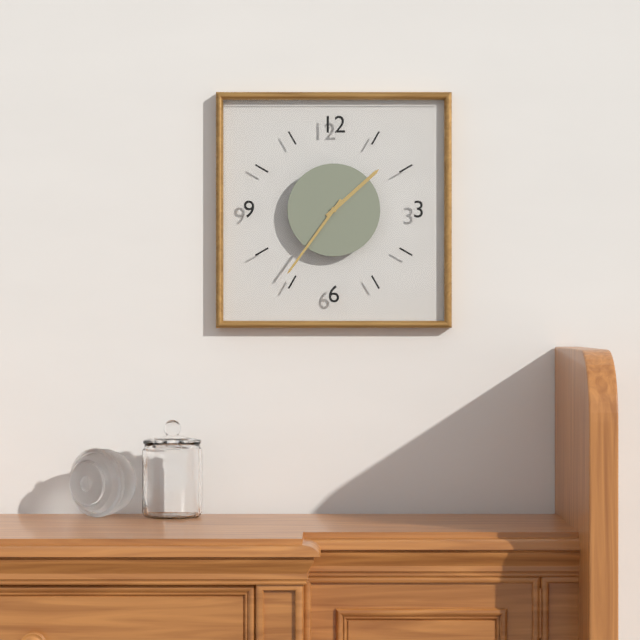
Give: 1h36
